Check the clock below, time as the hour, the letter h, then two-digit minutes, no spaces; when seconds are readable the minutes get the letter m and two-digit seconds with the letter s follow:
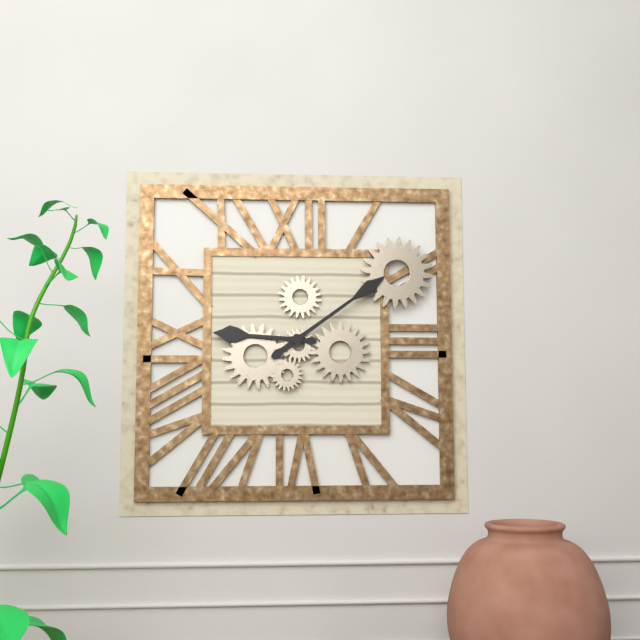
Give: 9h09
